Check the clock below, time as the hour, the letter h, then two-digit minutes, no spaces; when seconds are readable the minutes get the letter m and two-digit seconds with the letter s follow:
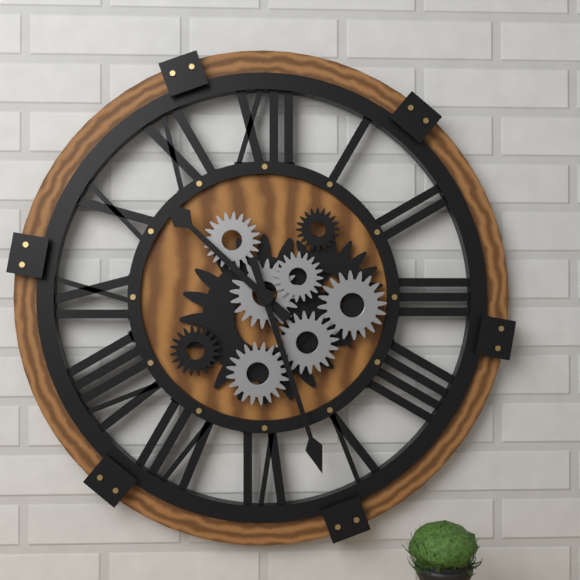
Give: 10h27
